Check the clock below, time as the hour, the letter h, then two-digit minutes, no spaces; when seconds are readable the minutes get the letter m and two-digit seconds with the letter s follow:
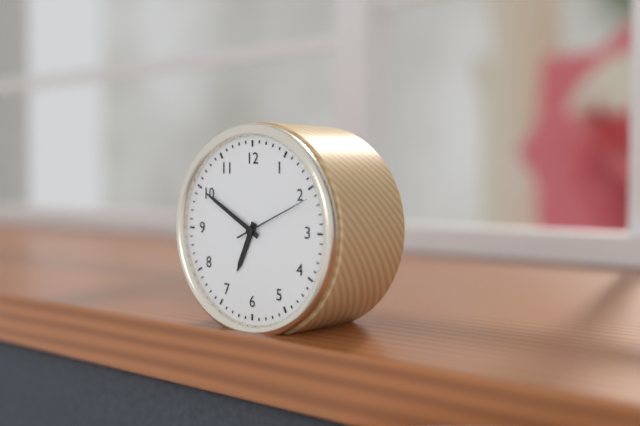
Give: 6h50m11s
